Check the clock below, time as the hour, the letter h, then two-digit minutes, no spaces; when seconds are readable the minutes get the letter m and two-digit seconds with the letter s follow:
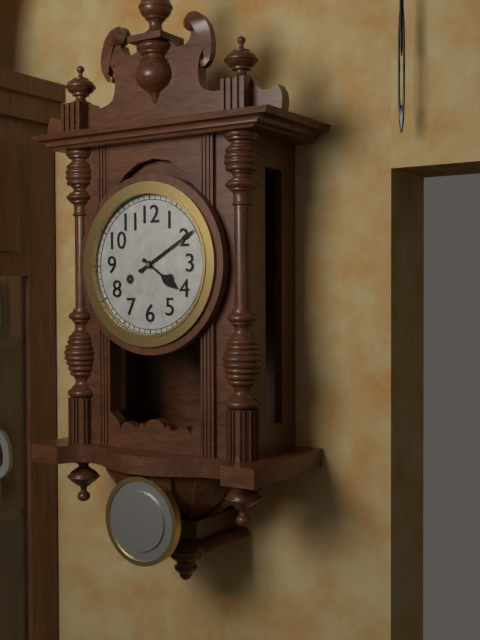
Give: 4h10
